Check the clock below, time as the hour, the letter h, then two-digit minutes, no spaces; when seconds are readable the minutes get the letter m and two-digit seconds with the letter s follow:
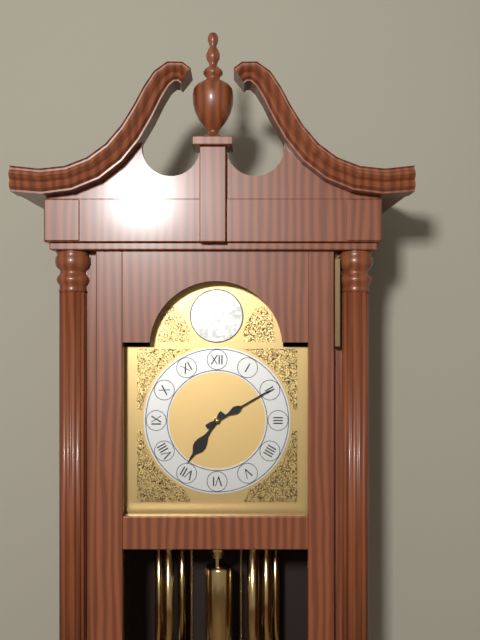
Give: 7h10
